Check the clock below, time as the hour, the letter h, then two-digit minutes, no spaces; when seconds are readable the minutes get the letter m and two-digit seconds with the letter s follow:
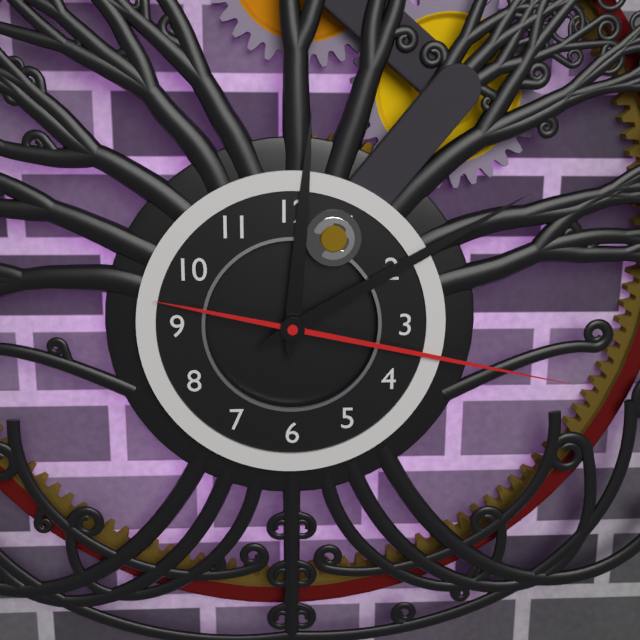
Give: 12h10m17s
